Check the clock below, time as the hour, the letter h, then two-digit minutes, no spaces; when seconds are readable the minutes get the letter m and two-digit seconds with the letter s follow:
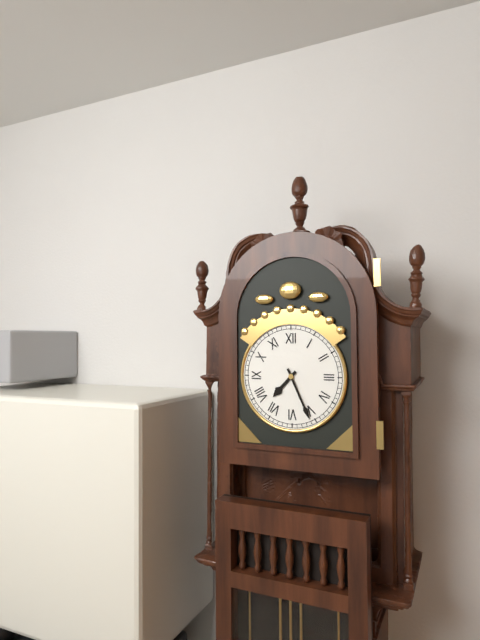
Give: 7h26
